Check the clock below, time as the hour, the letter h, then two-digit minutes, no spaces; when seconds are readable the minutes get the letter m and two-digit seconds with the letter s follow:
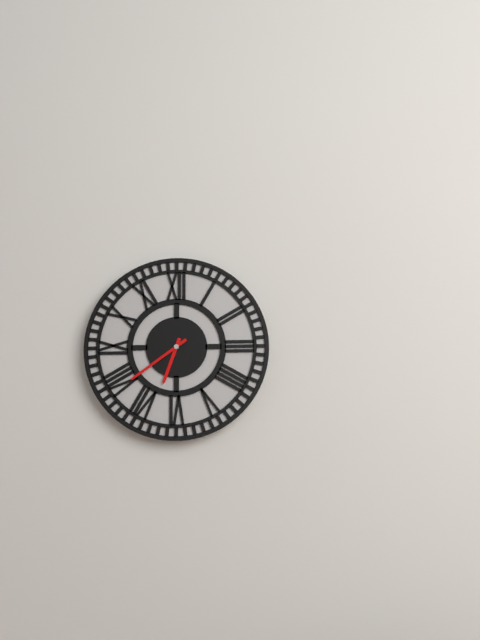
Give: 6h39
